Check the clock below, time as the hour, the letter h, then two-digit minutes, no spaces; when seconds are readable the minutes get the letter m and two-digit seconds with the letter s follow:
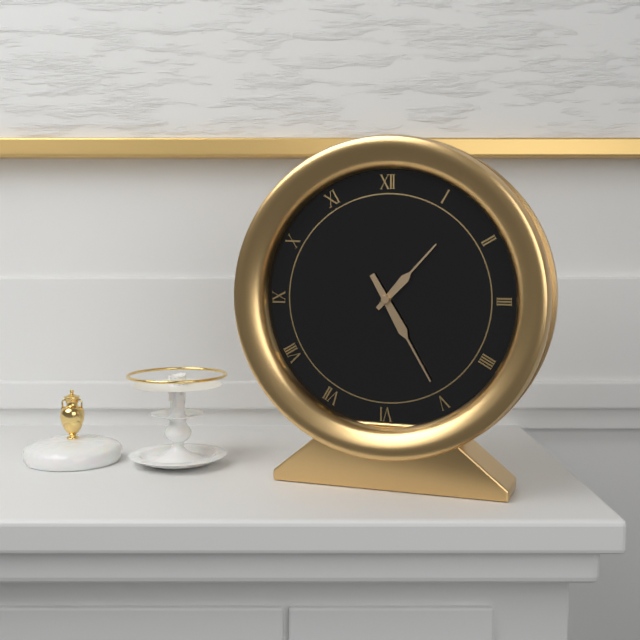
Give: 1h25
